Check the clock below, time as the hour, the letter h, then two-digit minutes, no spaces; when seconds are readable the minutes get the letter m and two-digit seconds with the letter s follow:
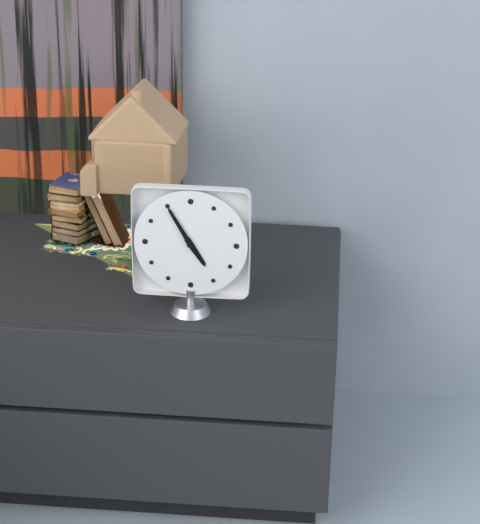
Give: 4h55
